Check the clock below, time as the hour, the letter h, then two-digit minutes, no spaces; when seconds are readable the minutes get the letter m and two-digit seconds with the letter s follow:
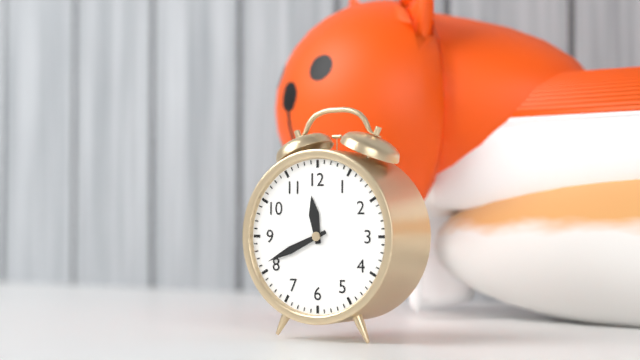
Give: 11h41
